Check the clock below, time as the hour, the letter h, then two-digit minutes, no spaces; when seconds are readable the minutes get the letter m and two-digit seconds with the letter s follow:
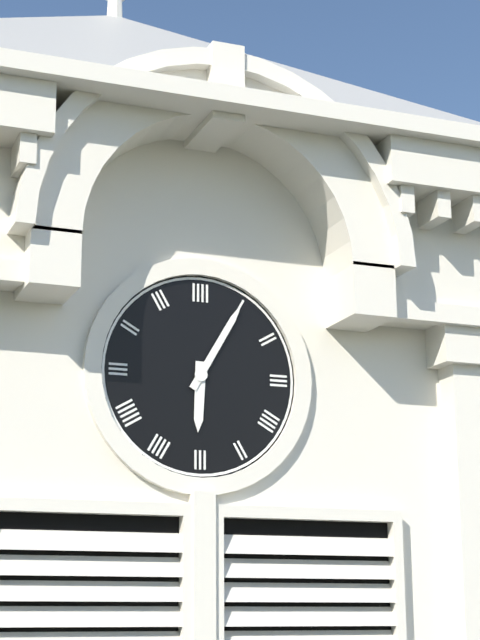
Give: 6h05
